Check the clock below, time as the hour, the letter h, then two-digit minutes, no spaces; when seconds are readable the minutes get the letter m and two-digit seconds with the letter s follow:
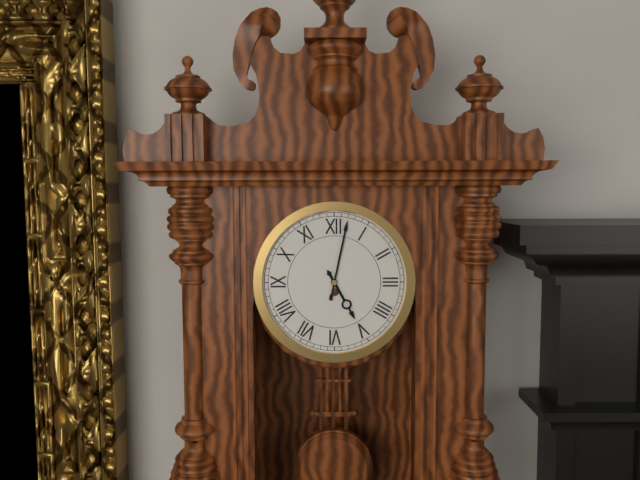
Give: 5h02
